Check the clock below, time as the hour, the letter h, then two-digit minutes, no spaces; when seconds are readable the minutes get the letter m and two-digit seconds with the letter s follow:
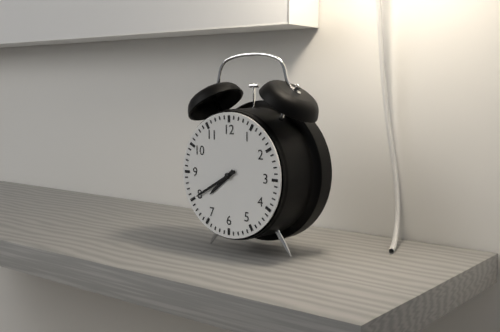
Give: 7h40
